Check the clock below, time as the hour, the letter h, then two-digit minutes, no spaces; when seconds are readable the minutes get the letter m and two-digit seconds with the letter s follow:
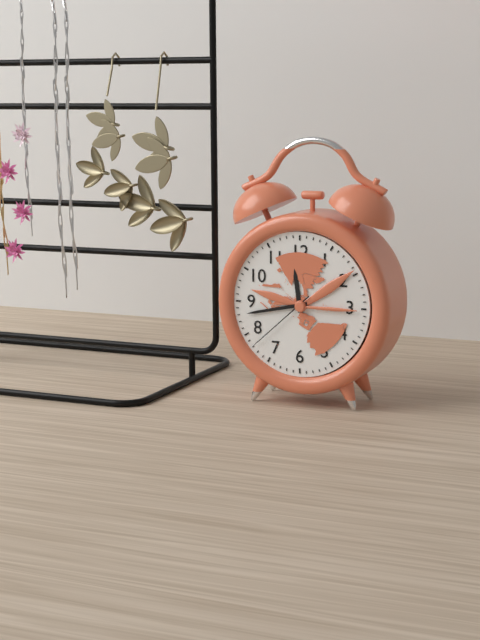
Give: 11h43m38s
